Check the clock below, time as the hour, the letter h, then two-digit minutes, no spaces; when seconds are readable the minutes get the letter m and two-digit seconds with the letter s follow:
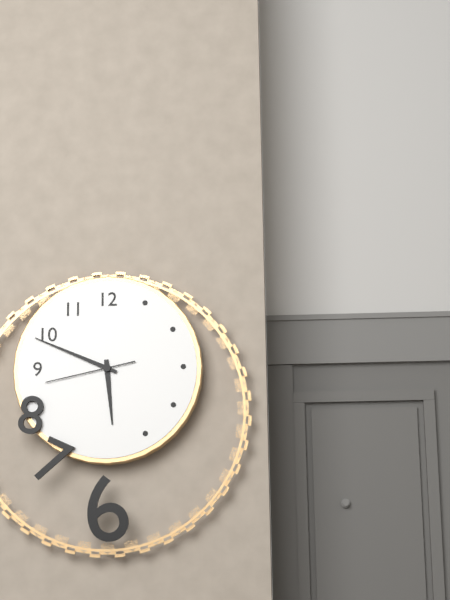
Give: 5h49m43s
